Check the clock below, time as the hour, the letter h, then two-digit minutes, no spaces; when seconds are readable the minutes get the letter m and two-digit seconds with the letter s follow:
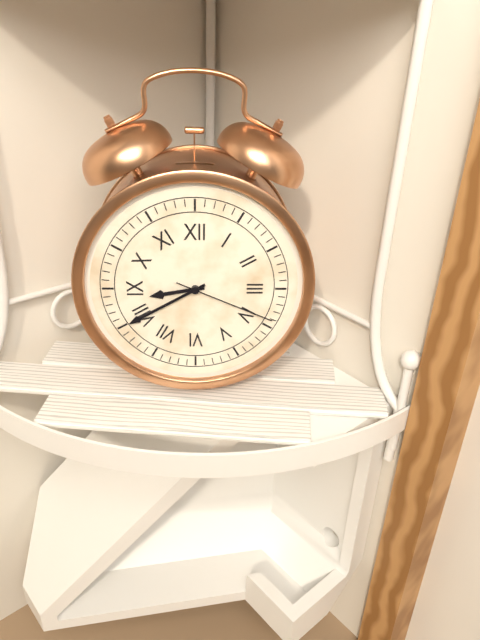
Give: 8h40m19s
